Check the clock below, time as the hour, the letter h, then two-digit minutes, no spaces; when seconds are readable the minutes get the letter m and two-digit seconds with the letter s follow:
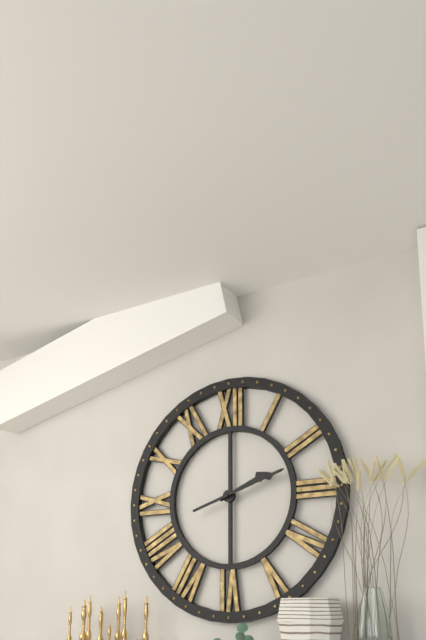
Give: 2h12
